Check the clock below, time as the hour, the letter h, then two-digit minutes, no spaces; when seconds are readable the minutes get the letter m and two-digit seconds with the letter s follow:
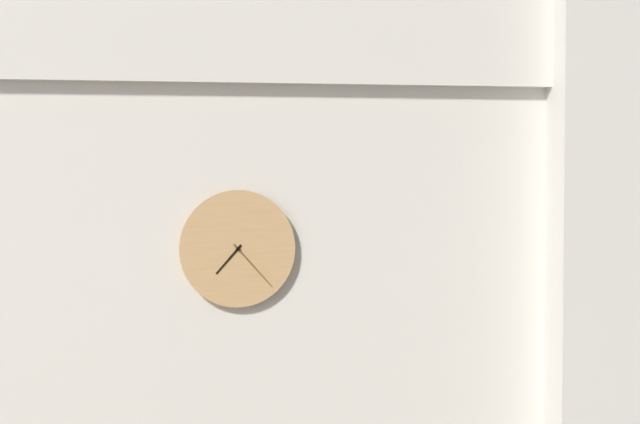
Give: 7h23
